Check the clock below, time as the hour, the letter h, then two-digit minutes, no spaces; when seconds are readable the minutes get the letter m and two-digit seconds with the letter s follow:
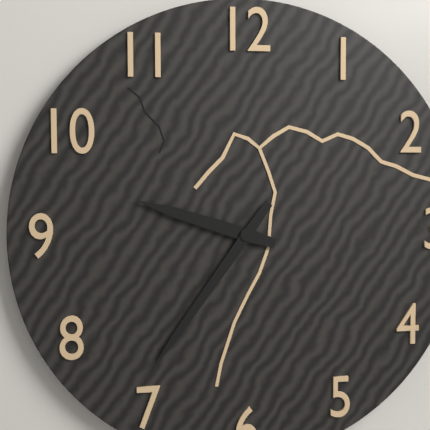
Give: 9h36
